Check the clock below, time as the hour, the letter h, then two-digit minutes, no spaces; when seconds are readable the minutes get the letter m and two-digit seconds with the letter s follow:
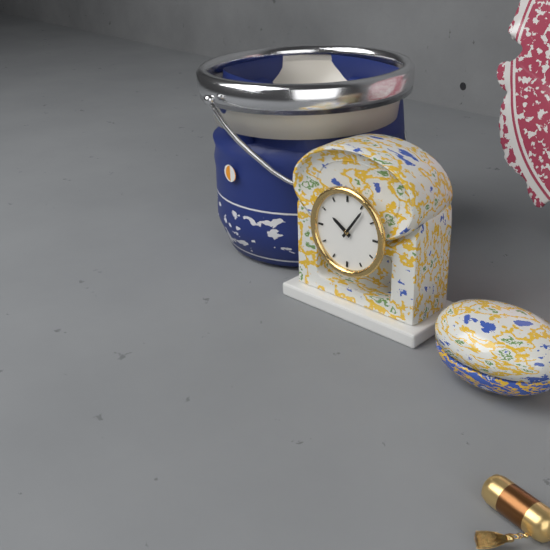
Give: 10h06
